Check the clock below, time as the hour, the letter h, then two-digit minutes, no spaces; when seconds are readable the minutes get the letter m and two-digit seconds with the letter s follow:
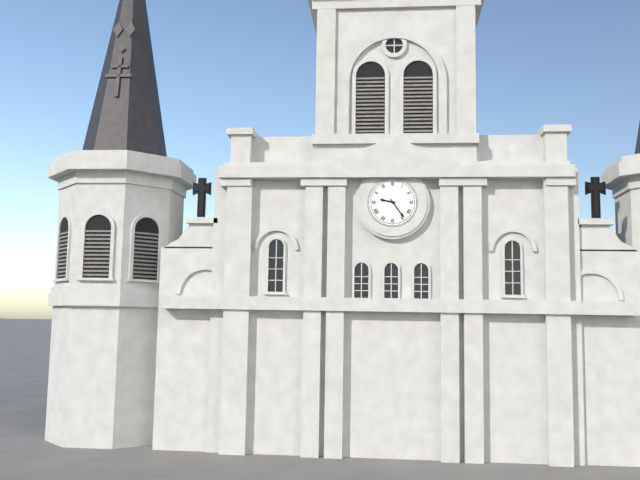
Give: 9h24
